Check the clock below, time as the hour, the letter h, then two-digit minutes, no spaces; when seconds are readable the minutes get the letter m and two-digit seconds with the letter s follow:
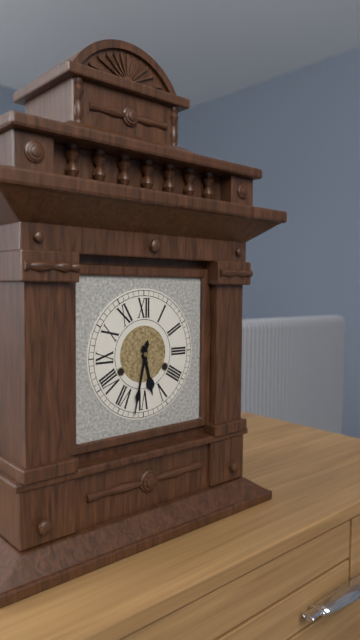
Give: 5h32
